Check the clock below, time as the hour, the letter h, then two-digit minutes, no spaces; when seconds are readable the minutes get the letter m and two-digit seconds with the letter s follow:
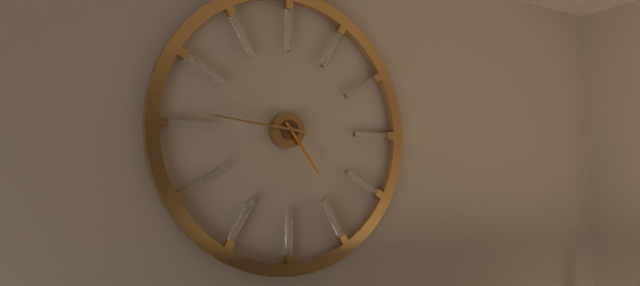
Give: 4h46
